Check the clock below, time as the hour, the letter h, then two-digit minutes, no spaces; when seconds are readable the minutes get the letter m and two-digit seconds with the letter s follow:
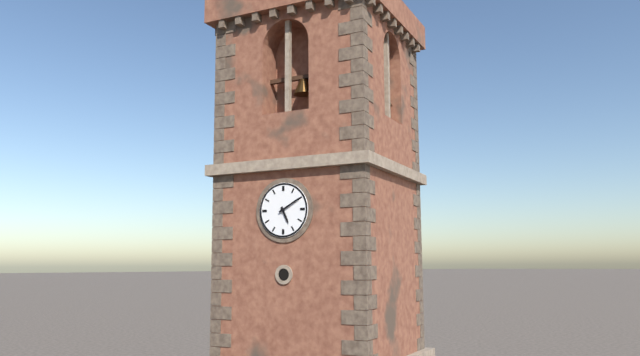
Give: 5h10
